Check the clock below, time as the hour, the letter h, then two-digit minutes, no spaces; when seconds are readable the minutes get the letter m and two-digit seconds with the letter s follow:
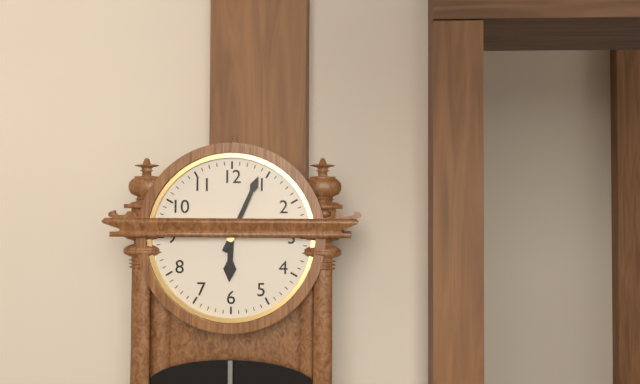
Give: 6h04
